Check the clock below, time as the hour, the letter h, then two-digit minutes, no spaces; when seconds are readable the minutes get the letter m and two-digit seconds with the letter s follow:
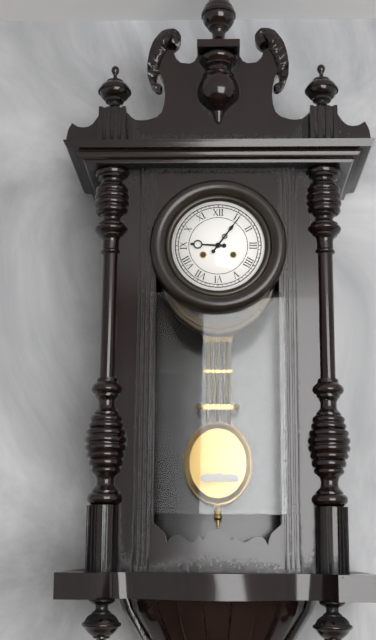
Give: 9h06
